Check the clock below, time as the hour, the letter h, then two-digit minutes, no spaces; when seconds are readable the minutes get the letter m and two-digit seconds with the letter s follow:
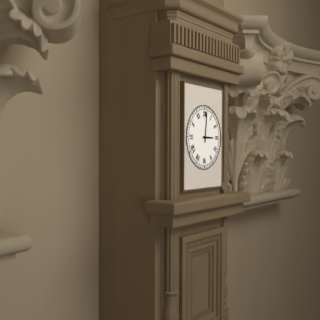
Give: 3h01
